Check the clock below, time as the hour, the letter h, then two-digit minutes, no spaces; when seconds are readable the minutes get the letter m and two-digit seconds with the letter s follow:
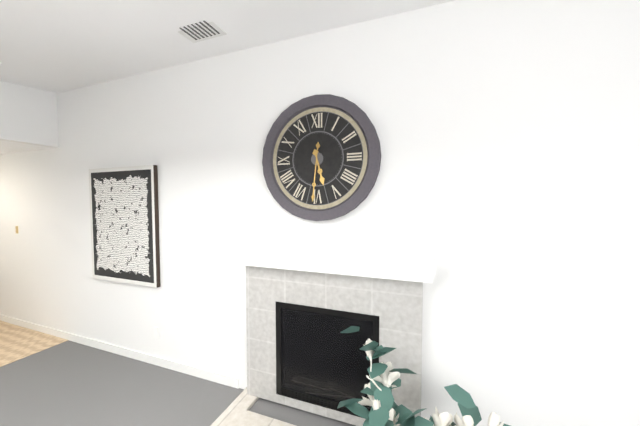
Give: 5h31
